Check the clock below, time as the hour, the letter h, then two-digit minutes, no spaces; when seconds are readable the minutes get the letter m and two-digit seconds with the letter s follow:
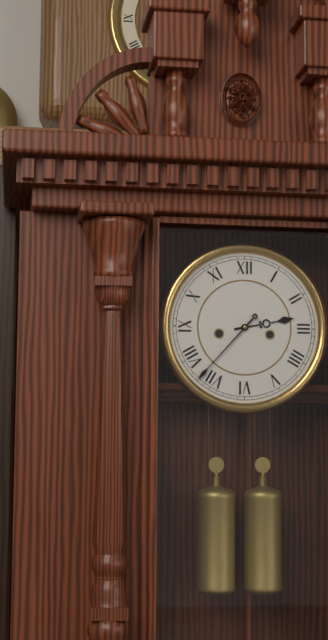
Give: 2h37
